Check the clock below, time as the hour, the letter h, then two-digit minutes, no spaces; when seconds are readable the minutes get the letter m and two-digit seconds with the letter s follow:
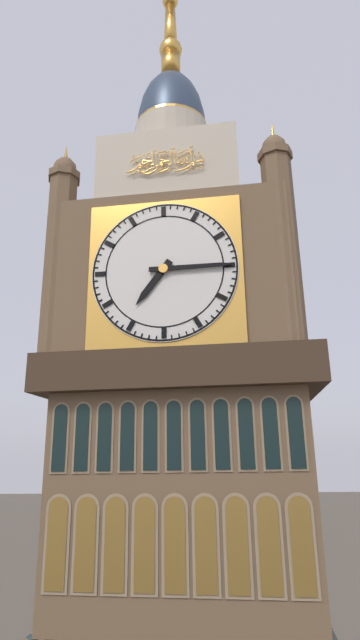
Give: 7h15
